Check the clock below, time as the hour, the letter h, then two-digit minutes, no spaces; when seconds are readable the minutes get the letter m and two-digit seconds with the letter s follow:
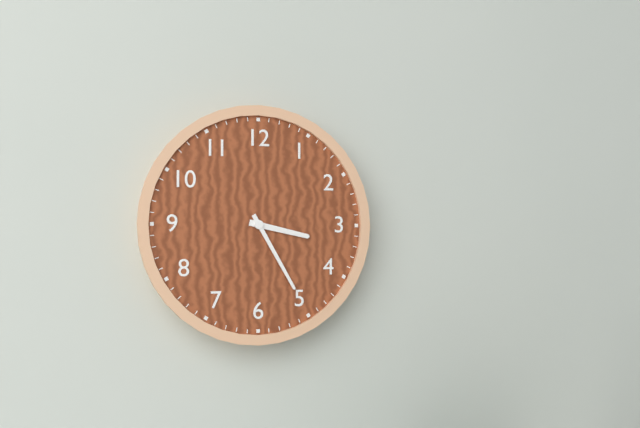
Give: 3h25
